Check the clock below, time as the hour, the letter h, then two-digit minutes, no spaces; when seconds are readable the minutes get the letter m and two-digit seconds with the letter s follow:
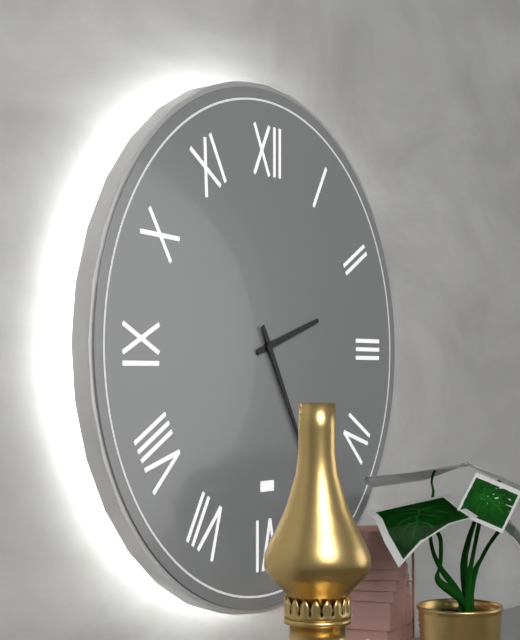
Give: 2h25
